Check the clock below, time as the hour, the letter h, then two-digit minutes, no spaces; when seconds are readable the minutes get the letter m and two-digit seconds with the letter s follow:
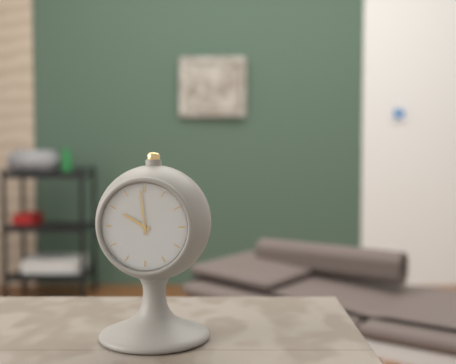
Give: 9h59
